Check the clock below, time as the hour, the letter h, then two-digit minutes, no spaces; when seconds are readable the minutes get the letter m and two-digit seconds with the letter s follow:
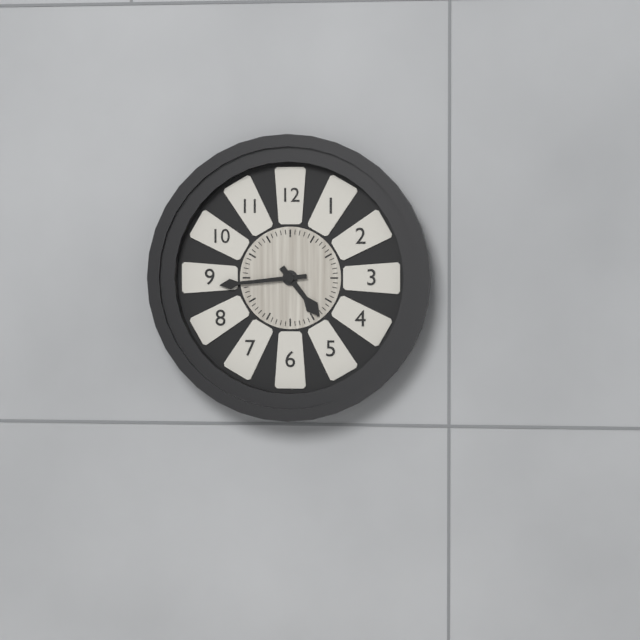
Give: 4h44
